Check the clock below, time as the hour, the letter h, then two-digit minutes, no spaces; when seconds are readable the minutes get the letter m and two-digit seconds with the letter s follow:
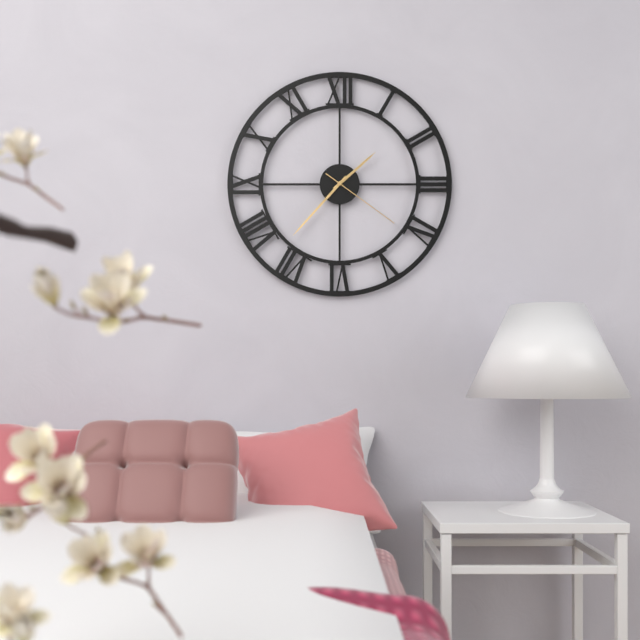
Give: 1h37m21s
